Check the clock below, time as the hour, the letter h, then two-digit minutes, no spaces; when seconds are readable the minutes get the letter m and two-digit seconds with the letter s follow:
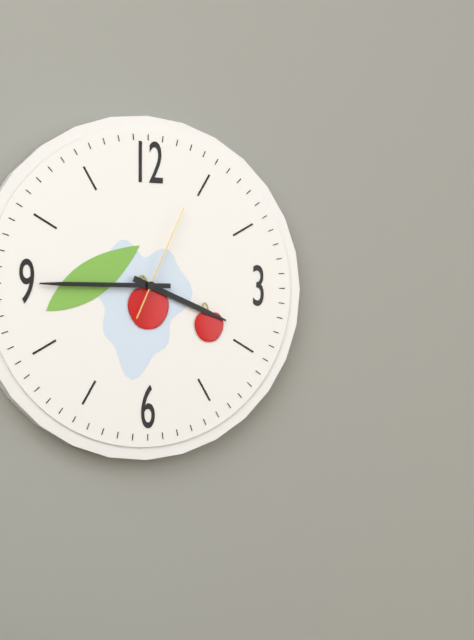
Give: 3h45m04s
